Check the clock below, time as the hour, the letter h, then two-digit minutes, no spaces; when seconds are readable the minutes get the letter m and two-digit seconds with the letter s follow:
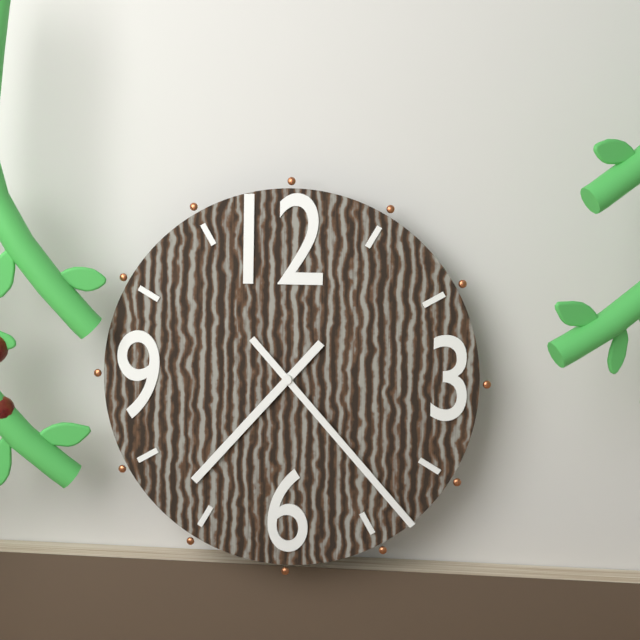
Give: 7h23
